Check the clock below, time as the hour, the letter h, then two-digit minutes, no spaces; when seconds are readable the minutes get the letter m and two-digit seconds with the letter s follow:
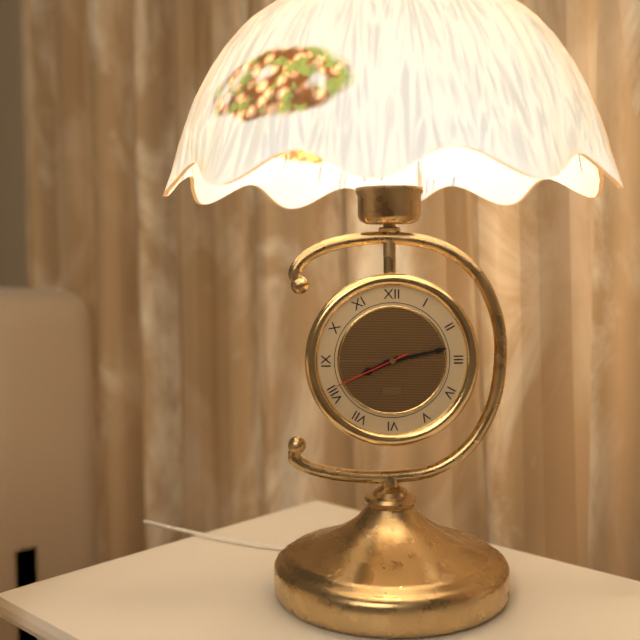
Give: 8h13m41s
